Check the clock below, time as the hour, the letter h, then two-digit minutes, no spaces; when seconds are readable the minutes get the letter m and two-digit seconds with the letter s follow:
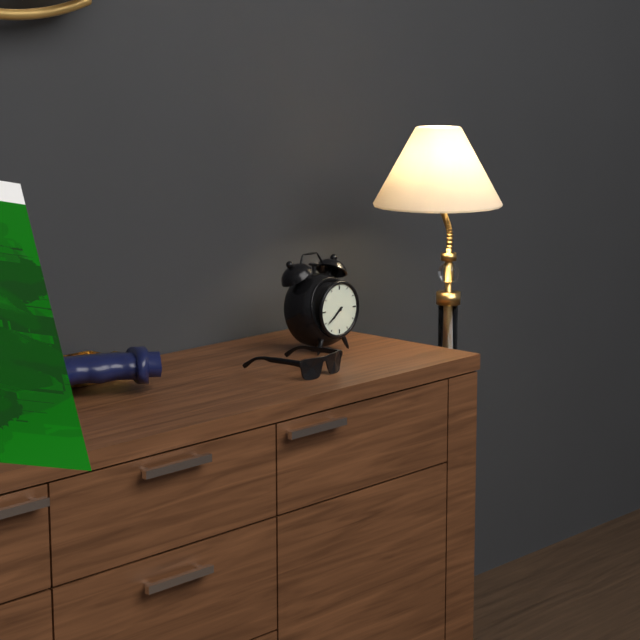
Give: 7h39
